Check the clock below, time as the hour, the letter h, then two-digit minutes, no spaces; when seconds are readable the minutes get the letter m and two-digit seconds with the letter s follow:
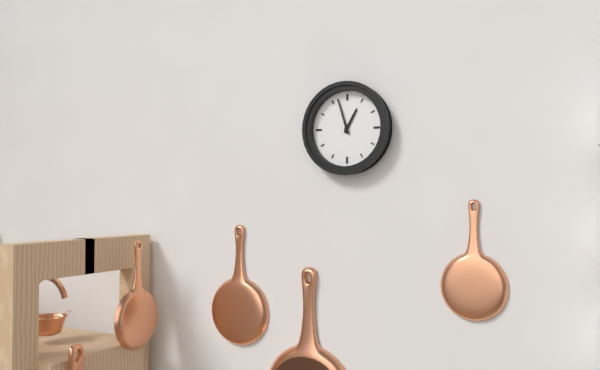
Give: 12h57
